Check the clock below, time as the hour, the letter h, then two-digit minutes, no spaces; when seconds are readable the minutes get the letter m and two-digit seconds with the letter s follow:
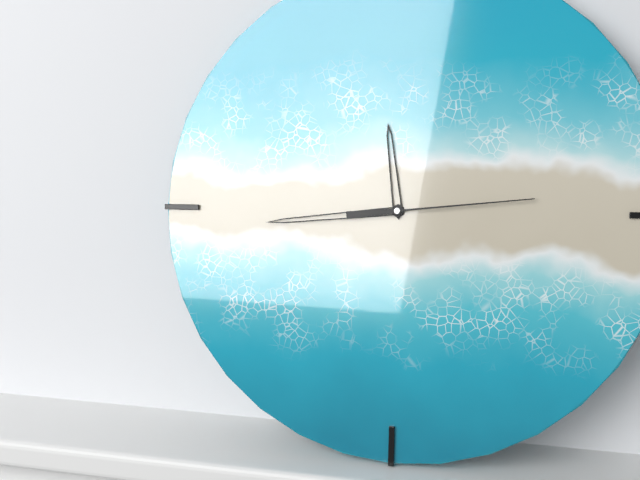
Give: 11h44m14s
